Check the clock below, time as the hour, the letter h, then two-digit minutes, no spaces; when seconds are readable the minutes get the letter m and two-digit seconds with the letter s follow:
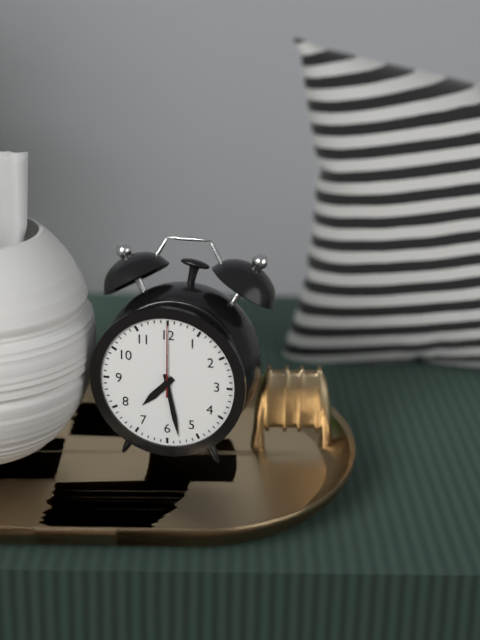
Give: 7h28m00s
